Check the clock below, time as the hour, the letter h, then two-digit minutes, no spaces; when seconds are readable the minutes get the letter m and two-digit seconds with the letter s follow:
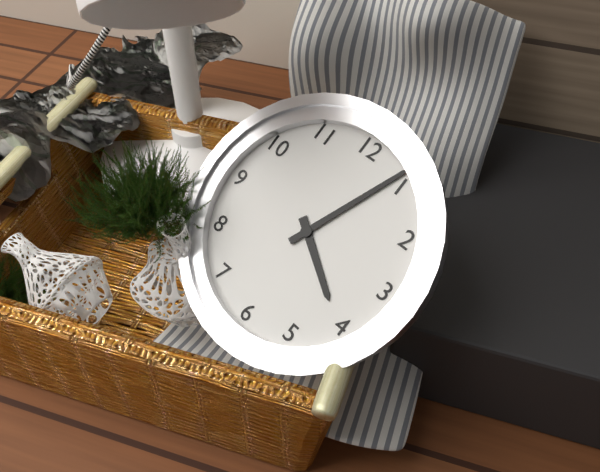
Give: 4h04
